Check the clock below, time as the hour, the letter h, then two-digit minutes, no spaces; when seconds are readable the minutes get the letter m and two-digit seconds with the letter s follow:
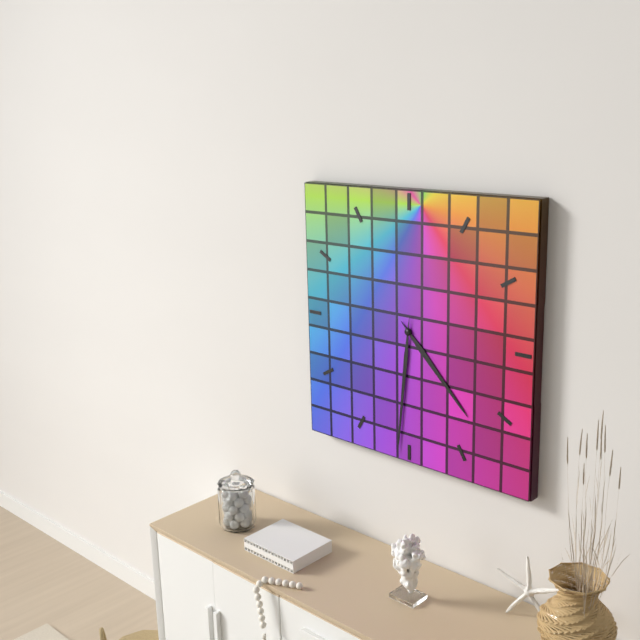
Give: 4h31
